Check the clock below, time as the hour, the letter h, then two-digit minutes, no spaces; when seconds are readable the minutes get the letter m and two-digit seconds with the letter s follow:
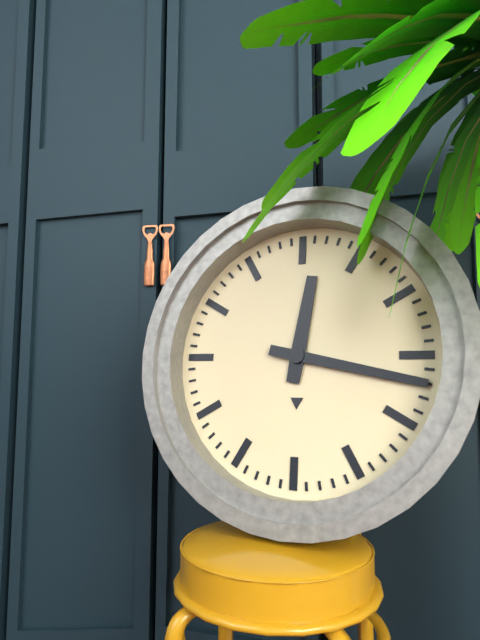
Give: 12h17
